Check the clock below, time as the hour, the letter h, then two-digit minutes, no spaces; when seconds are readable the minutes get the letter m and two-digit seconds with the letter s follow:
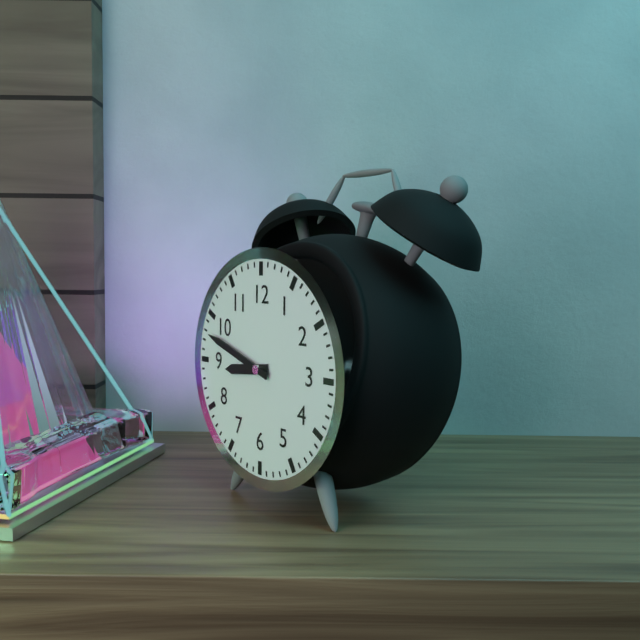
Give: 8h48
